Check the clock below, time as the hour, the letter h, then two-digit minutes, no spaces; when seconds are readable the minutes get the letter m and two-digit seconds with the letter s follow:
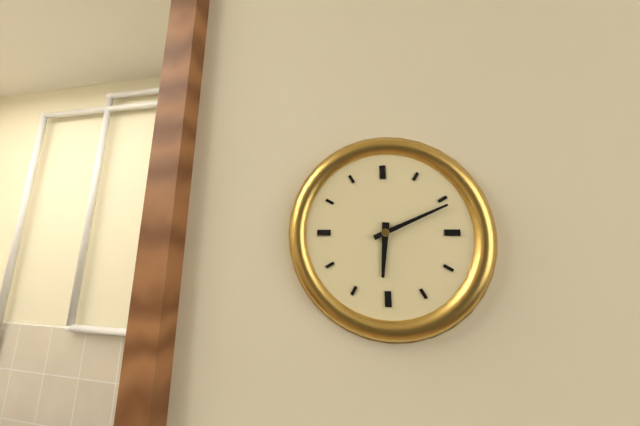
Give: 6h11
